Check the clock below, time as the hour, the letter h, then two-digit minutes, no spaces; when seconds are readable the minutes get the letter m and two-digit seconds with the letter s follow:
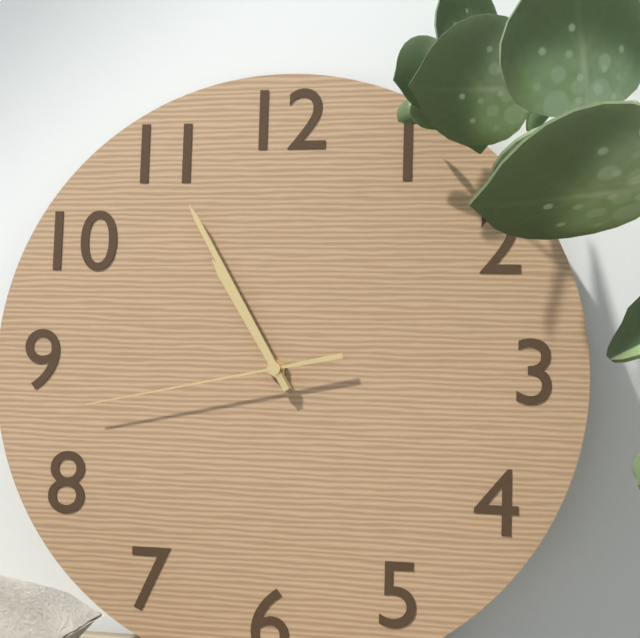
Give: 10h55m43s
